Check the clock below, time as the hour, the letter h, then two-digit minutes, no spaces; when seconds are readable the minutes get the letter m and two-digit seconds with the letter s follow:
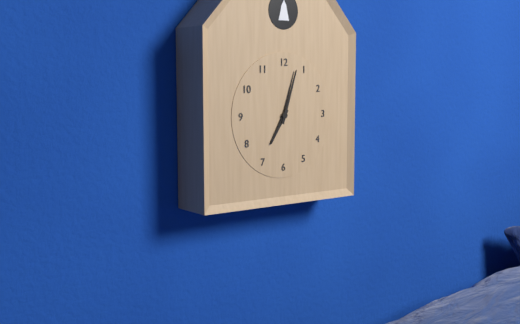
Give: 7h03
